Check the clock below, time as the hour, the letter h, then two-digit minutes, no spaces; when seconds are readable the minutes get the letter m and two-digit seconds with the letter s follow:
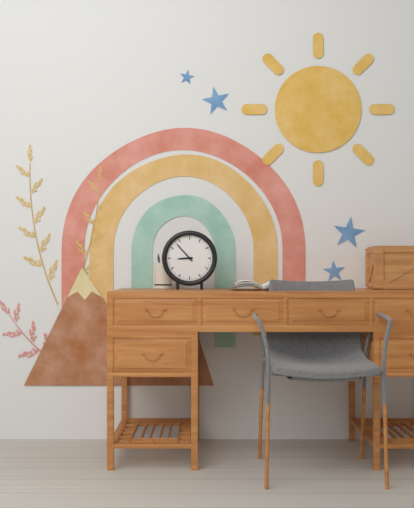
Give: 8h53
